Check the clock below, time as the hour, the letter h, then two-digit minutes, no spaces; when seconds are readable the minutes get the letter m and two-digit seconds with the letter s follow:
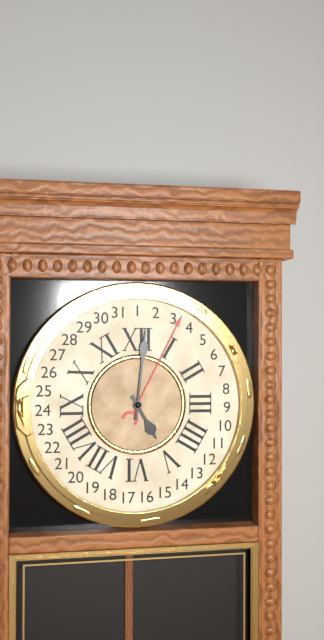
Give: 5h01
